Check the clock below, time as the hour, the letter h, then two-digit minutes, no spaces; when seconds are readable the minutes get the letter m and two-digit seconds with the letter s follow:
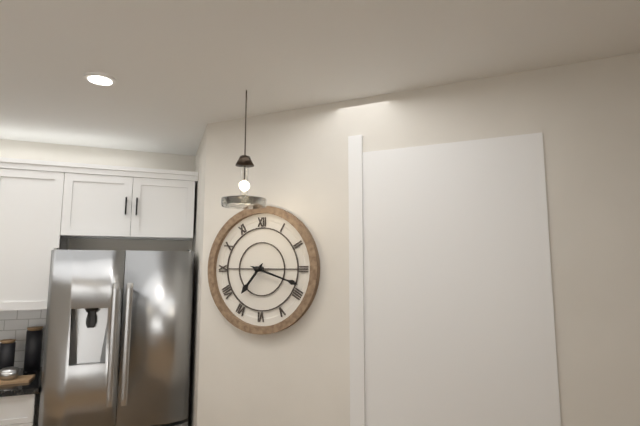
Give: 7h18
